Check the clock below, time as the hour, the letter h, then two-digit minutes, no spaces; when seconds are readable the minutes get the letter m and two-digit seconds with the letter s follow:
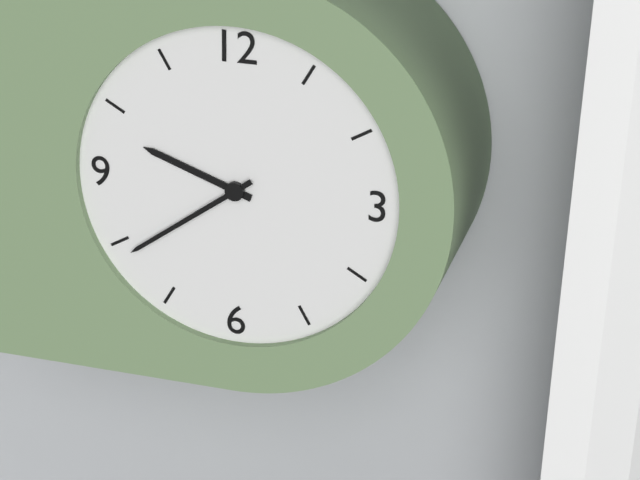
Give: 9h39
